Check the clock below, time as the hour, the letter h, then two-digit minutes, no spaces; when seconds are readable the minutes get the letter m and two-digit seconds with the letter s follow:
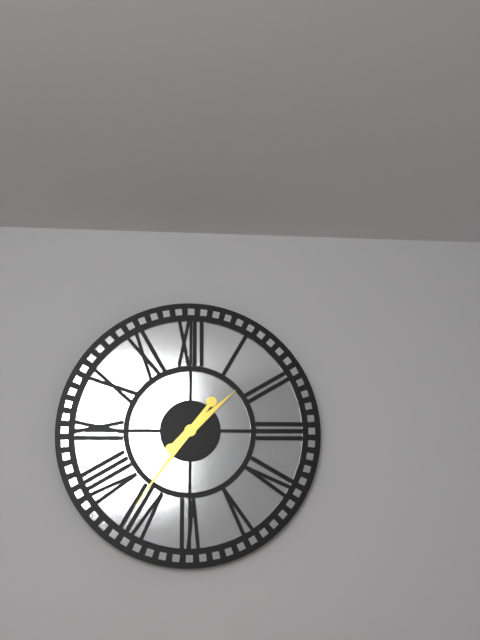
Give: 1h36
